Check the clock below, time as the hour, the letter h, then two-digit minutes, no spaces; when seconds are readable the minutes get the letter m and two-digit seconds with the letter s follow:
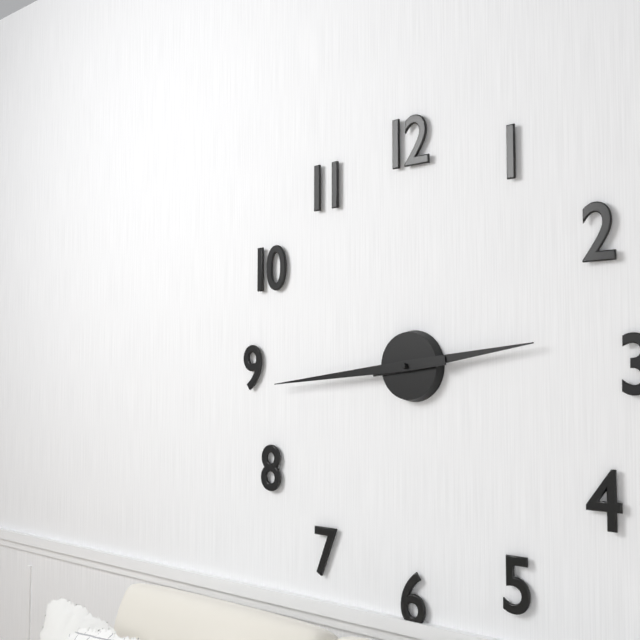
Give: 2h44
